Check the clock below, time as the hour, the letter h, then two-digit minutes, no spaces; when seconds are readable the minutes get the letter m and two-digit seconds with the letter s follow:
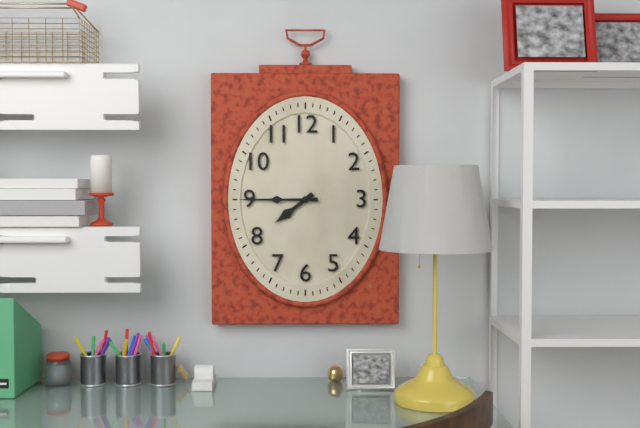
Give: 7h45
